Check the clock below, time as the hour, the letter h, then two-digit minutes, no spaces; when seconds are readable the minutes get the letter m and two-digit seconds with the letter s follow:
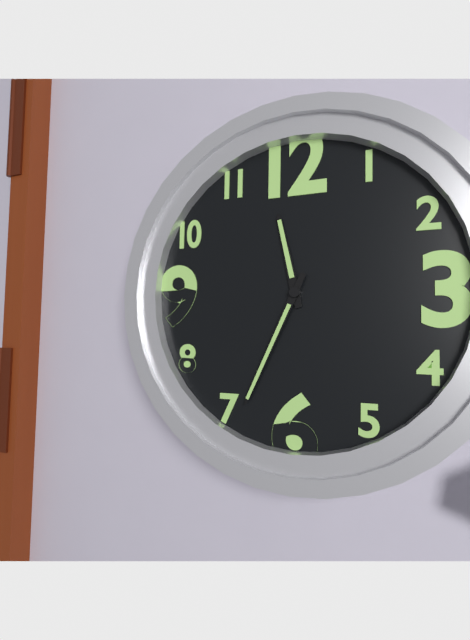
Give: 11h34
